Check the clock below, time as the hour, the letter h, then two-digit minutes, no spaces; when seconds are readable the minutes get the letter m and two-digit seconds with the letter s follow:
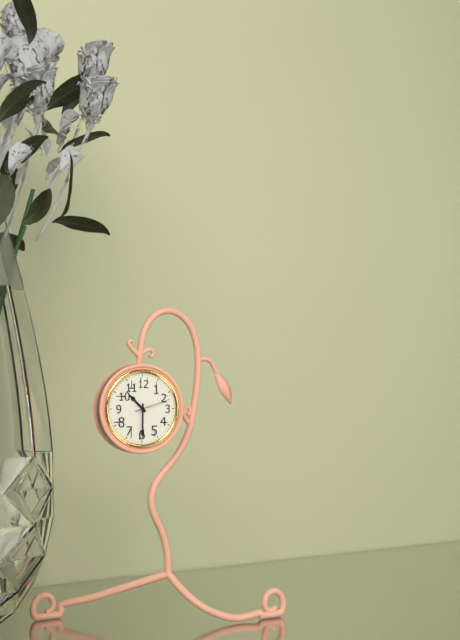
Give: 10h30
